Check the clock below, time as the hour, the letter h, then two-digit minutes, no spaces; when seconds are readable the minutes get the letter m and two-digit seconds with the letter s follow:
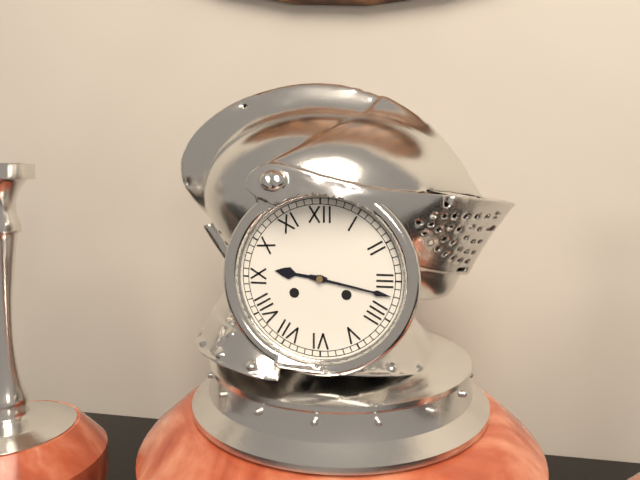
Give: 9h17
